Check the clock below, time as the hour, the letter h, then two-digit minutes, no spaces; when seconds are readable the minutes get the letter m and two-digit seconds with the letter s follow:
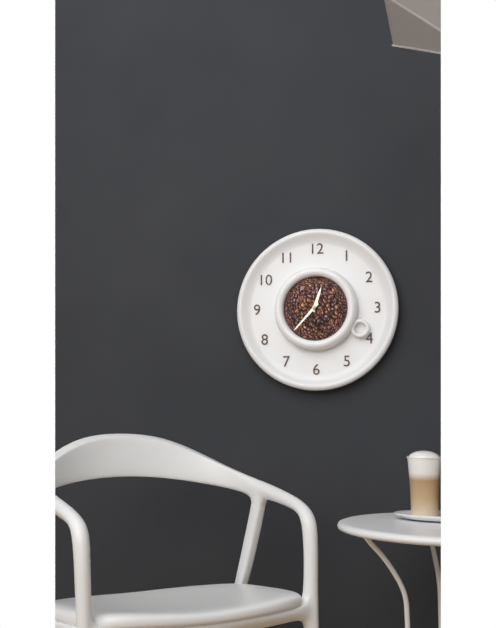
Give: 12h37
